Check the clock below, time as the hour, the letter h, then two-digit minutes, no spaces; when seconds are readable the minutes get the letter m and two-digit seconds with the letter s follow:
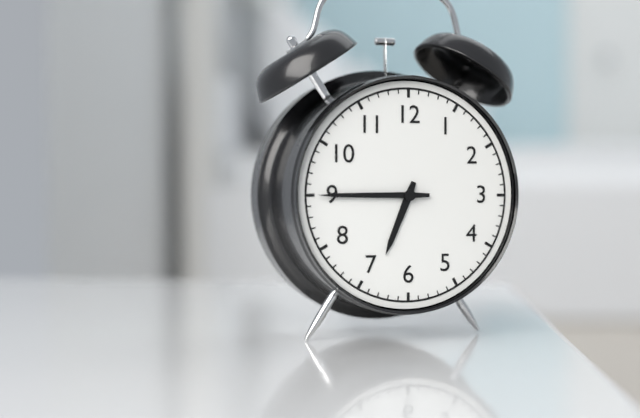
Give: 6h45
